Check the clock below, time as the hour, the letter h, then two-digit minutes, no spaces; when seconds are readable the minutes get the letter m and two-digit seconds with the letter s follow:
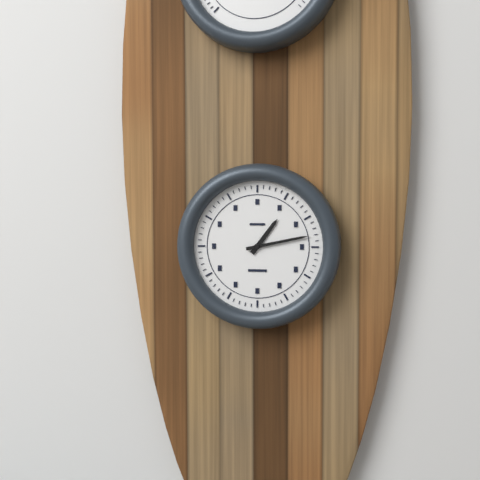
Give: 1h13
